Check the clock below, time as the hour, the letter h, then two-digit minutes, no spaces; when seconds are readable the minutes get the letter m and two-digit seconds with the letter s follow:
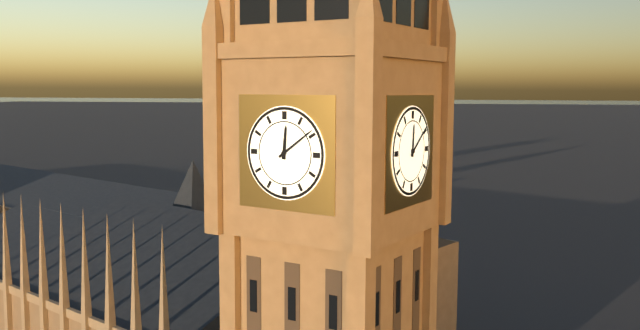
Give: 12h09
